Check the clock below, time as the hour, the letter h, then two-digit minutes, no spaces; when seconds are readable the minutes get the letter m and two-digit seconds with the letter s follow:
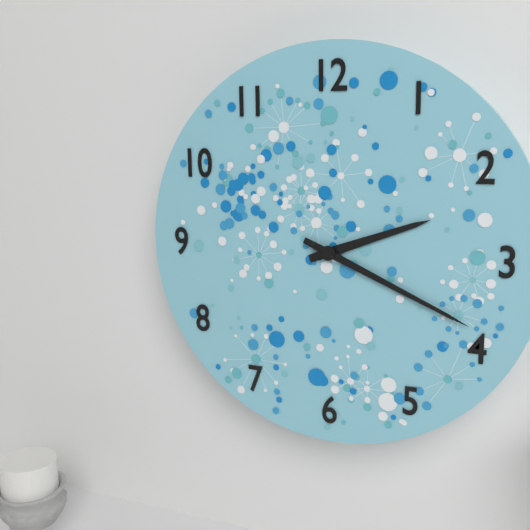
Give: 2h19
